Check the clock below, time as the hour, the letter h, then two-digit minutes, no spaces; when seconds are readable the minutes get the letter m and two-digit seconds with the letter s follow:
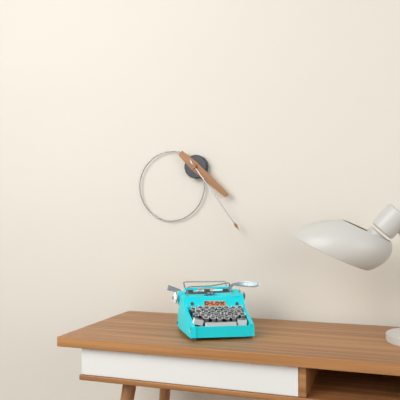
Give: 4h24
